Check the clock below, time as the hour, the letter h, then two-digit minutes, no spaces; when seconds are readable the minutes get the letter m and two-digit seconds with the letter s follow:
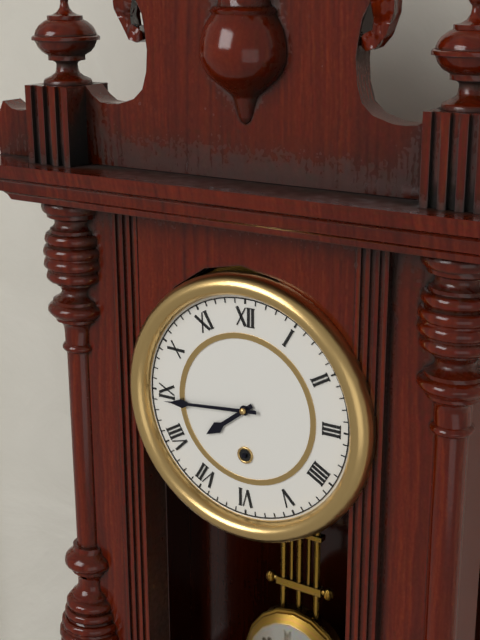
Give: 7h44
